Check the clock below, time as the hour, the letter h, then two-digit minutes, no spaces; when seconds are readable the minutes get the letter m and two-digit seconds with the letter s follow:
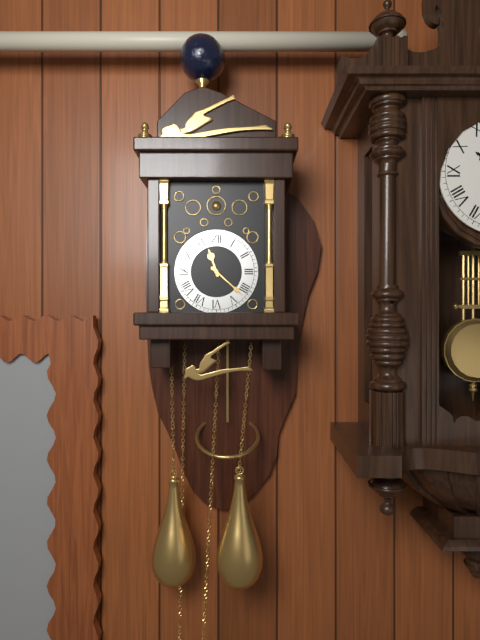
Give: 11h22
